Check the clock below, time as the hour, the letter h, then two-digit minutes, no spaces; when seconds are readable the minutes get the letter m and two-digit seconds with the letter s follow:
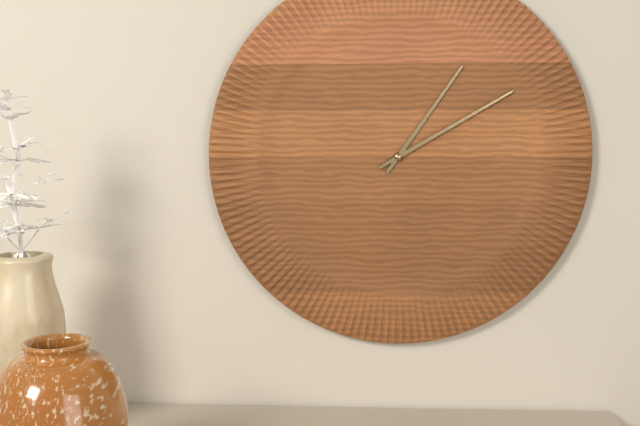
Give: 1h10
